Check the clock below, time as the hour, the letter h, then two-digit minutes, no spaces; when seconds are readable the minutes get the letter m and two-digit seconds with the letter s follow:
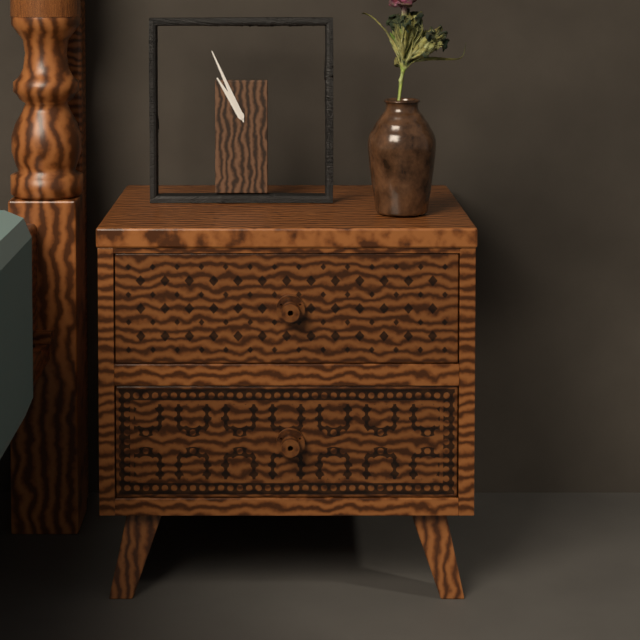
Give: 10h56
